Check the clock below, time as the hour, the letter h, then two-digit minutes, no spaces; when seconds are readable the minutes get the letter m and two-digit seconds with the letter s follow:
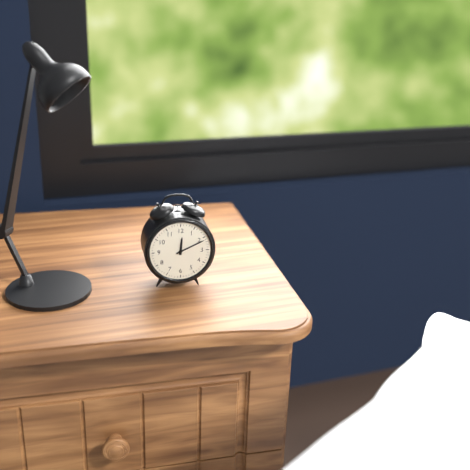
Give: 12h11
